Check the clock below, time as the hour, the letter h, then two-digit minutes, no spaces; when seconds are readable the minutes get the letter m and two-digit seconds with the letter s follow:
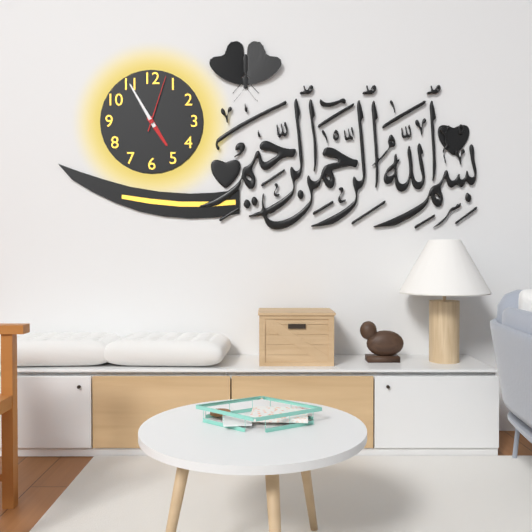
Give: 4h55m03s
